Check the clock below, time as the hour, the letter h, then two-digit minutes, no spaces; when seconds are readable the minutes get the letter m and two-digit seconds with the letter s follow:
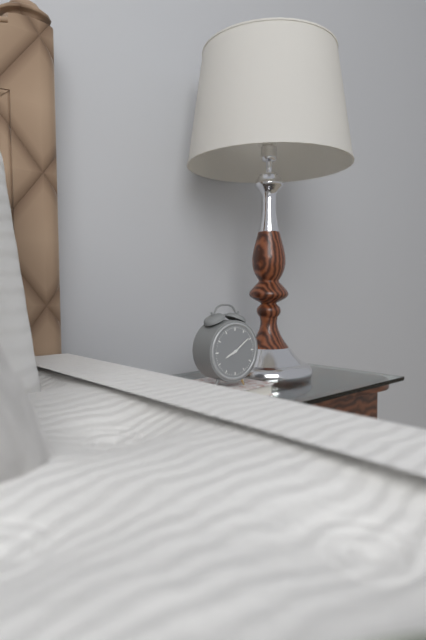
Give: 8h09
